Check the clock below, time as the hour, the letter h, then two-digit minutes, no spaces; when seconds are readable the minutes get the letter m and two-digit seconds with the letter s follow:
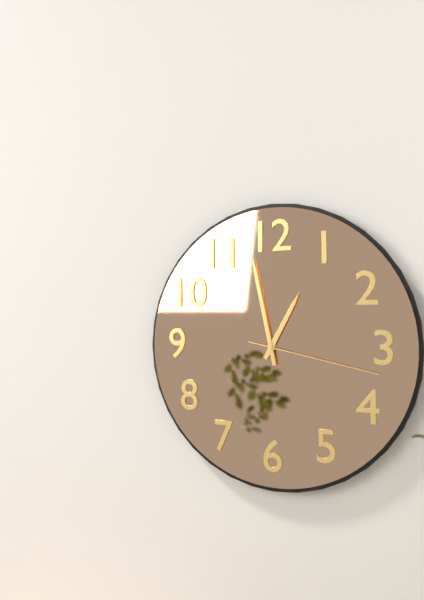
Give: 12h58m17s
